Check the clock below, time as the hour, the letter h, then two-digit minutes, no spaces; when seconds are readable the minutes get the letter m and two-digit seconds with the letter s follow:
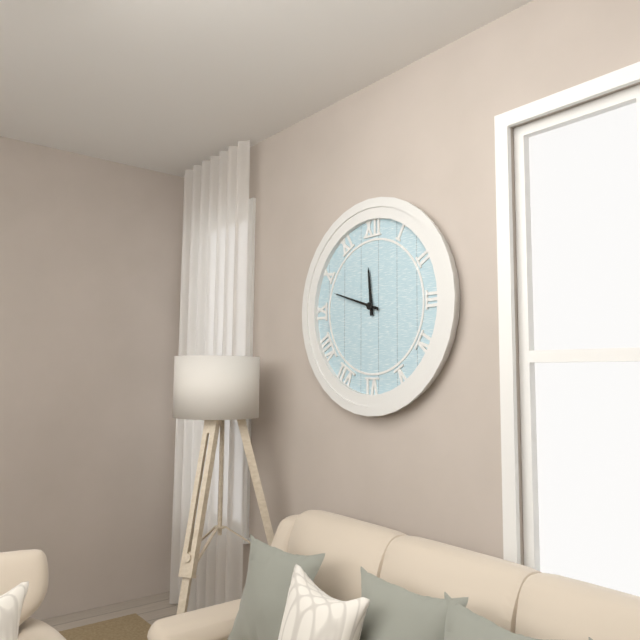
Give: 11h48
